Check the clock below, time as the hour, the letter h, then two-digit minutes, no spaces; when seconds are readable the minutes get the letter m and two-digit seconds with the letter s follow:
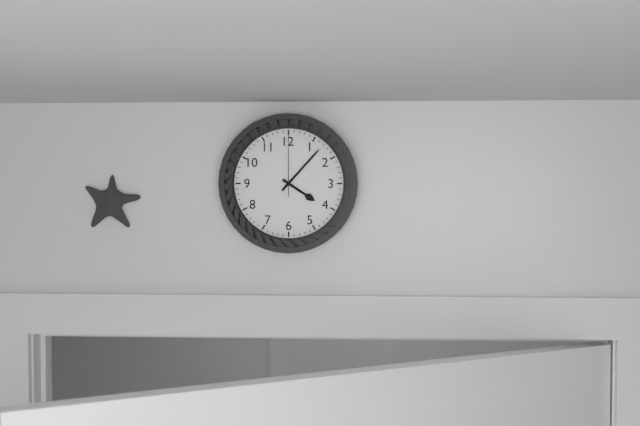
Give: 4h07m00s
